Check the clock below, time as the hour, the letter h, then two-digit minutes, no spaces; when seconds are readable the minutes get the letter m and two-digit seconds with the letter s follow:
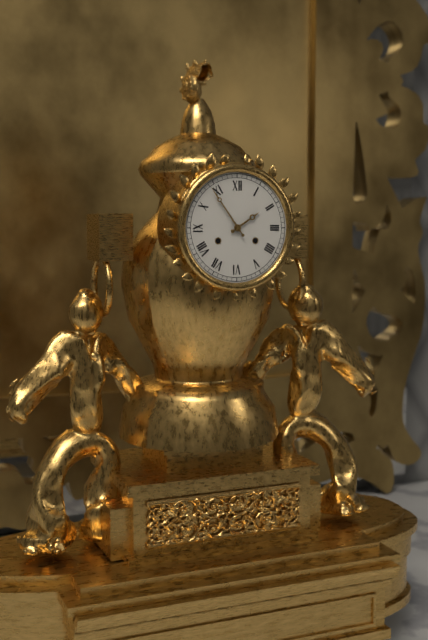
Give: 1h54
